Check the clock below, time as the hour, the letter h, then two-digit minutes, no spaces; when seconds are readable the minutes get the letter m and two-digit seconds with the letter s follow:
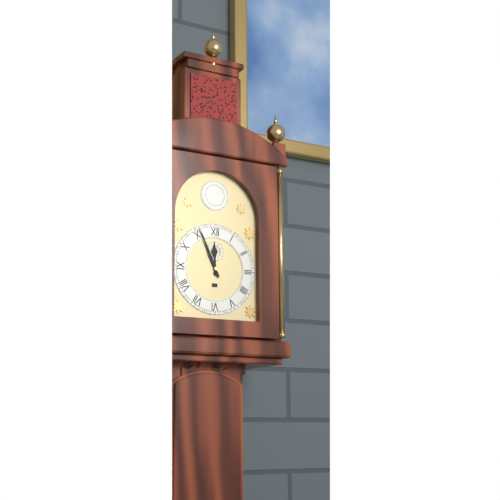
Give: 11h56
